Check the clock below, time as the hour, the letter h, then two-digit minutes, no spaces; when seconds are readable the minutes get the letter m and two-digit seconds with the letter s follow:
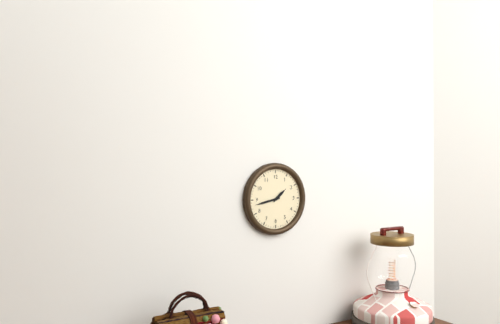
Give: 1h43
